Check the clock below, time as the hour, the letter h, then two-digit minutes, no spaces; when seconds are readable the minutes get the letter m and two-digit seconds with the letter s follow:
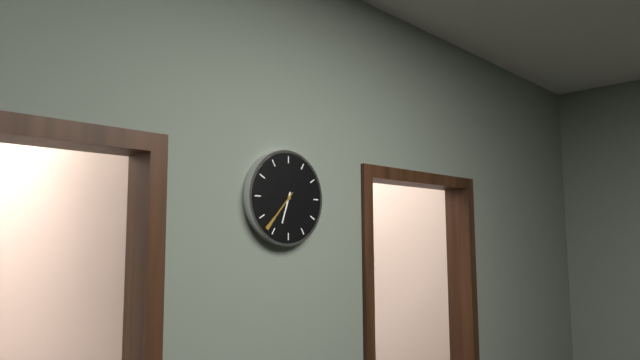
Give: 6h37
